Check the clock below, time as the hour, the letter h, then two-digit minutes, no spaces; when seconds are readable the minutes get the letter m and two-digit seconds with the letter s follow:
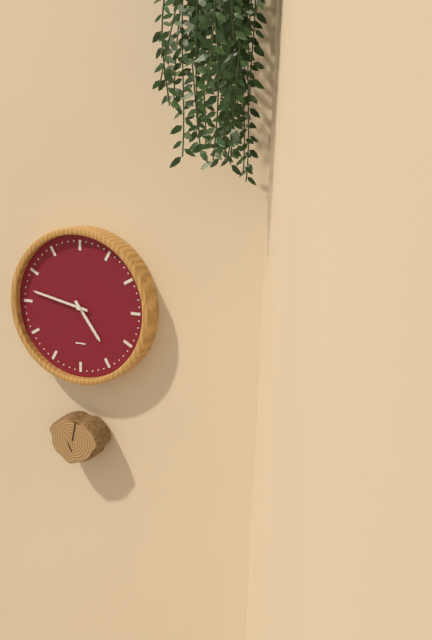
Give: 4h47
